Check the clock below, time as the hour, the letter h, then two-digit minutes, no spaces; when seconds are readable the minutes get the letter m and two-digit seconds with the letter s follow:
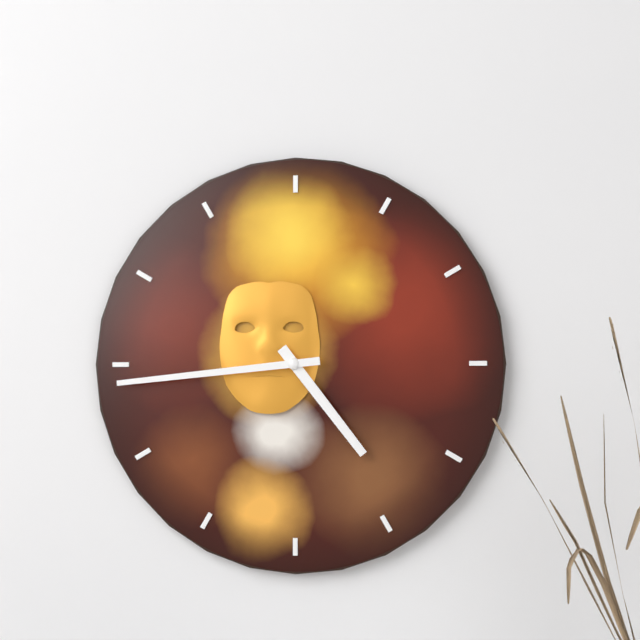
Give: 4h44
